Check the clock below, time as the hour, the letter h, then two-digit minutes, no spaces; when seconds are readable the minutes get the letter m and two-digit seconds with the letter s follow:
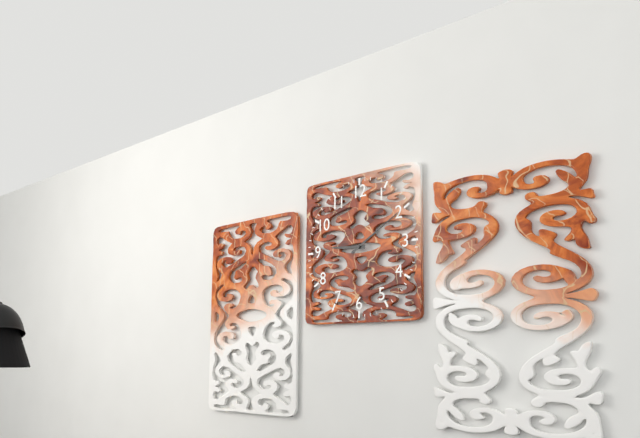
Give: 9h10
